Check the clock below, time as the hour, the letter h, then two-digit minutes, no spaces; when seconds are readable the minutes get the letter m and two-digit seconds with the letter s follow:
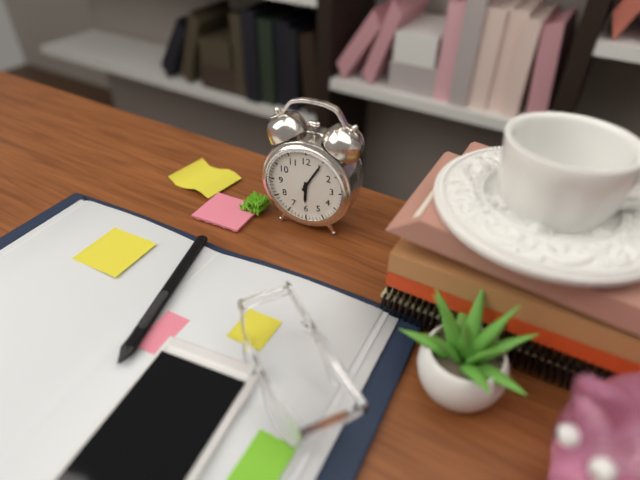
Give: 6h05
